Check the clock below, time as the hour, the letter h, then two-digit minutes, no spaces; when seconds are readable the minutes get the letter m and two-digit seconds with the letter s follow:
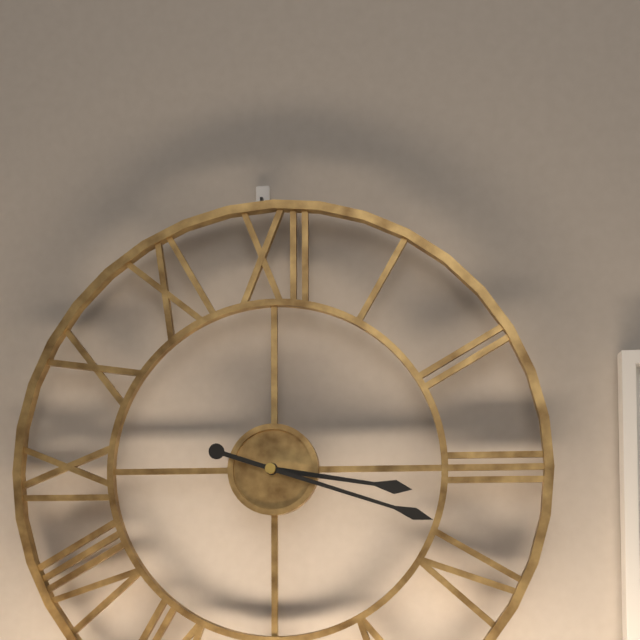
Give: 3h18
